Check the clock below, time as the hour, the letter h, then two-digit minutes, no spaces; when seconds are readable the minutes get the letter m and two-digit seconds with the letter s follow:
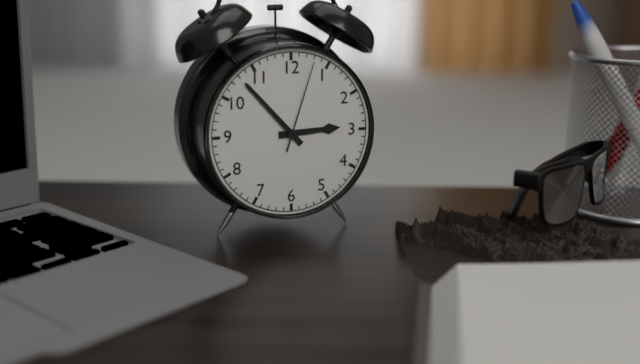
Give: 2h53m03s
